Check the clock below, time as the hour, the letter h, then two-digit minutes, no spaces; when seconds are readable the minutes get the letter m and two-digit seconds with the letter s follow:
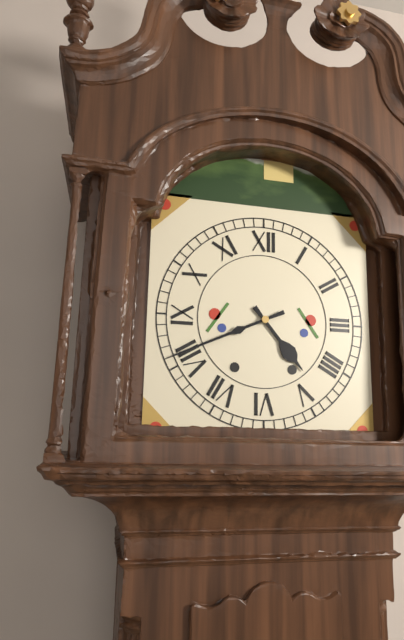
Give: 4h41
